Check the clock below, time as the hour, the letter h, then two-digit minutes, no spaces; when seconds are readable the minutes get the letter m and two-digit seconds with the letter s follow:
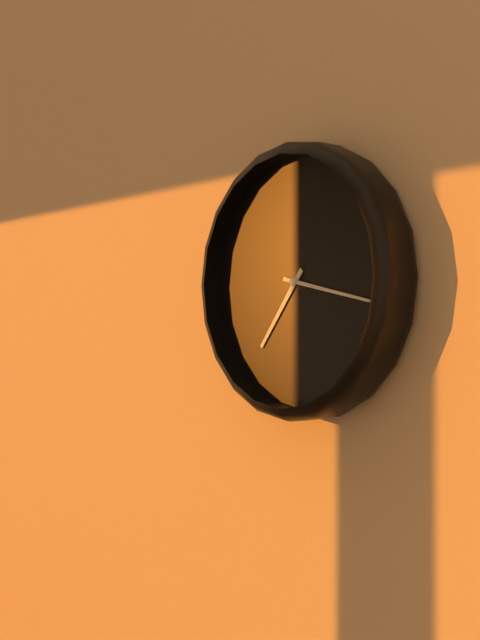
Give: 7h17
